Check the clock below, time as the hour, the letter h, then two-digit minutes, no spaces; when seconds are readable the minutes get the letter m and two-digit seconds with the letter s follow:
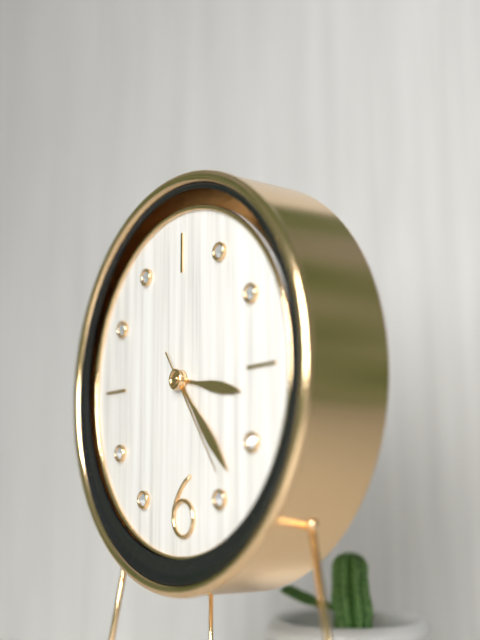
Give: 3h23m24s
